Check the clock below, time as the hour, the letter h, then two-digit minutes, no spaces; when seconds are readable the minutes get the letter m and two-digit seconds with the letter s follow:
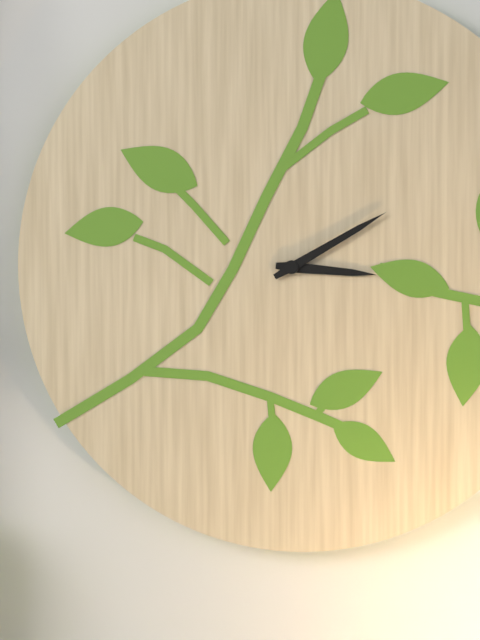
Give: 3h10
